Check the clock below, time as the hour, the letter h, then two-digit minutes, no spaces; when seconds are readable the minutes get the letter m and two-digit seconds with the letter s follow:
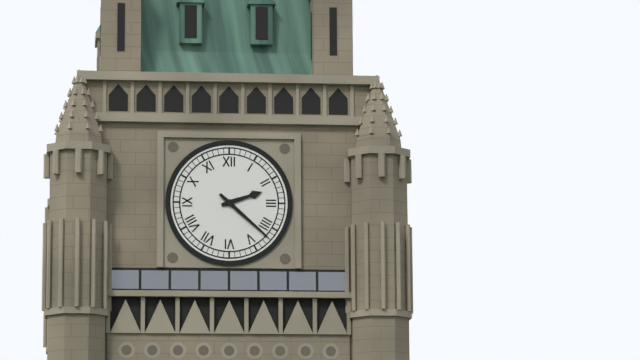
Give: 2h22
